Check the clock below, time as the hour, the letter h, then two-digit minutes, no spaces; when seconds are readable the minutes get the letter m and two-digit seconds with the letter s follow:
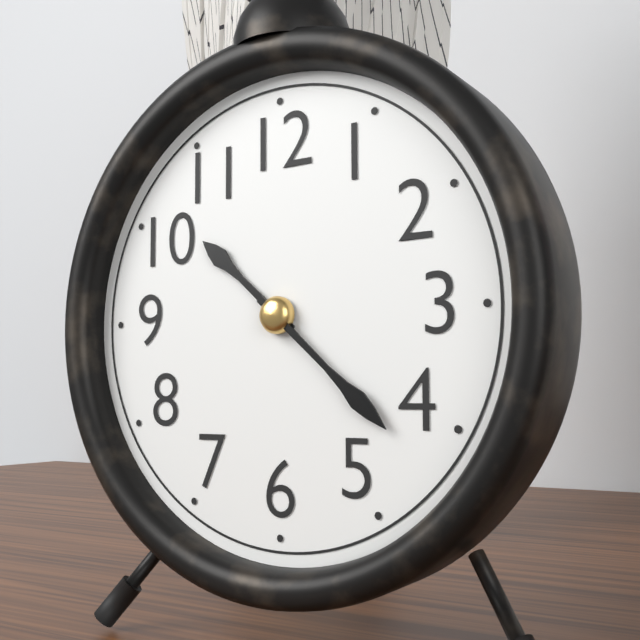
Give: 10h22
